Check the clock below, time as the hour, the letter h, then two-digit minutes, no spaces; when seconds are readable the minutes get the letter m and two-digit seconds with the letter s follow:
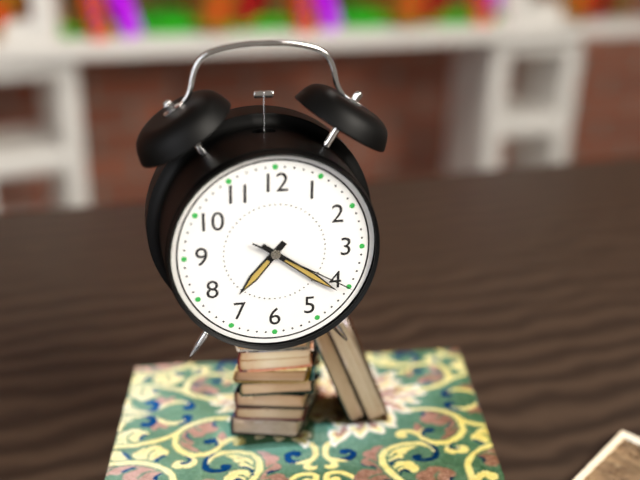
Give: 7h21m20s
